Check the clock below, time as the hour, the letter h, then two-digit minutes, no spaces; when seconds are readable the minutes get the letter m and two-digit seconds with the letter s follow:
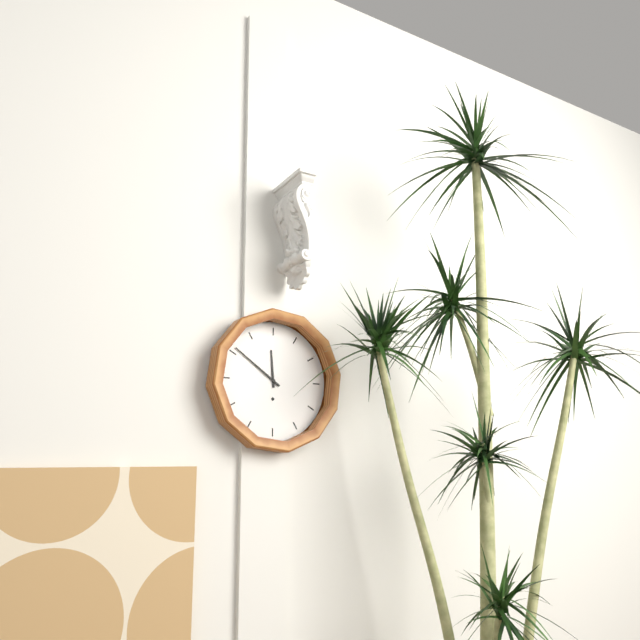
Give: 11h51
